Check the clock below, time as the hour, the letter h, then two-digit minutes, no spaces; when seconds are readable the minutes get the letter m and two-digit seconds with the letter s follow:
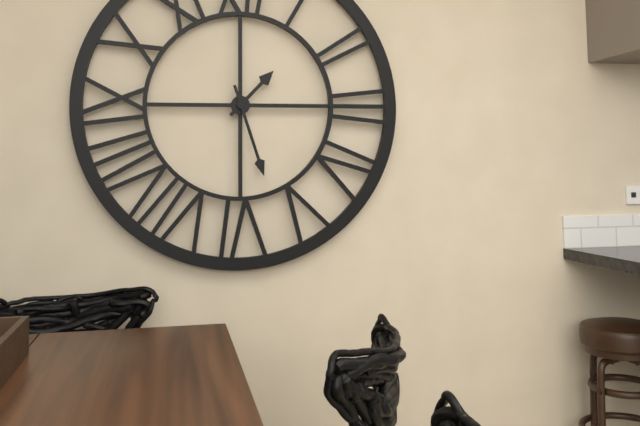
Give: 1h27
